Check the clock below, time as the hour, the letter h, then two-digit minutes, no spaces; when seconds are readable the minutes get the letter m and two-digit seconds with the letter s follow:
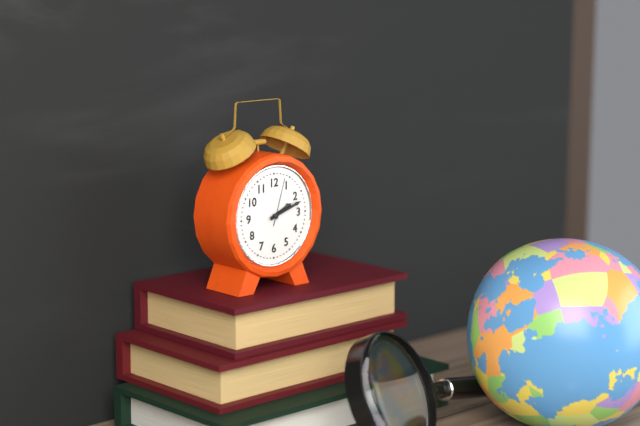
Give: 2h12
